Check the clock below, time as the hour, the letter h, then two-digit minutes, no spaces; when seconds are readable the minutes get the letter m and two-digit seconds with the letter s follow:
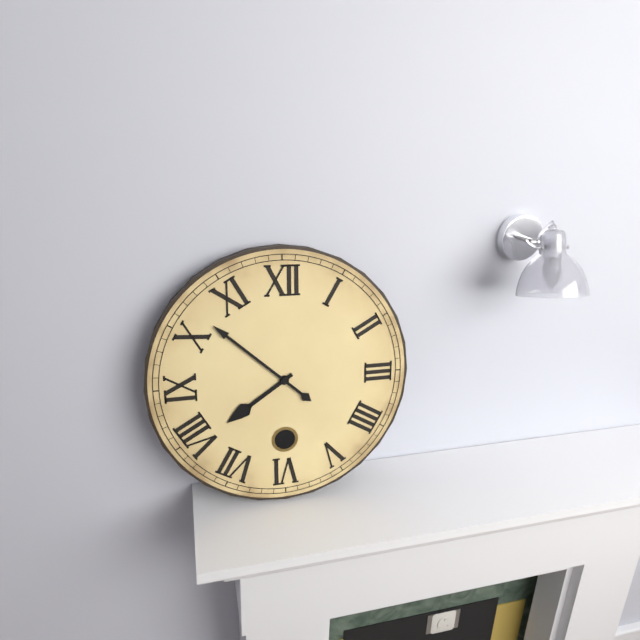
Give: 7h52
